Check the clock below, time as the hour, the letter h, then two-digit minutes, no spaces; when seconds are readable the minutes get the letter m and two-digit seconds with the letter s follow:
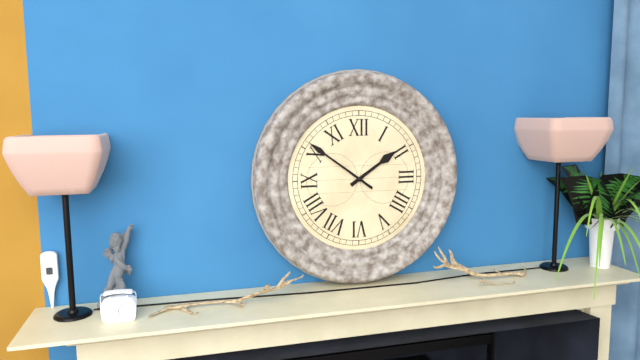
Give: 1h51
